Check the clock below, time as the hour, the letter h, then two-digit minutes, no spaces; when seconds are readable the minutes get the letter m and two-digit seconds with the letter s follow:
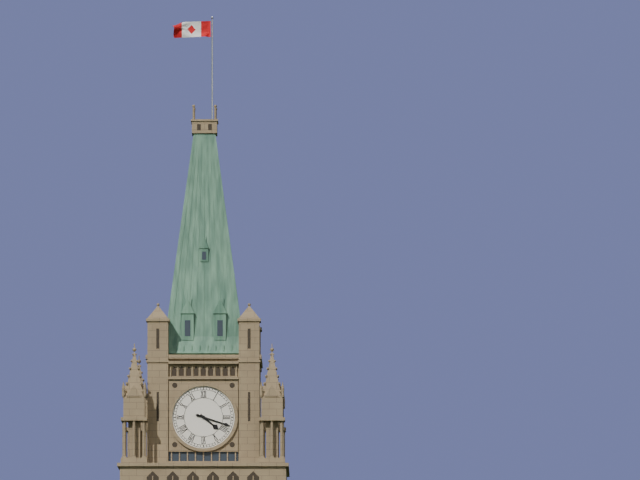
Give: 4h18
